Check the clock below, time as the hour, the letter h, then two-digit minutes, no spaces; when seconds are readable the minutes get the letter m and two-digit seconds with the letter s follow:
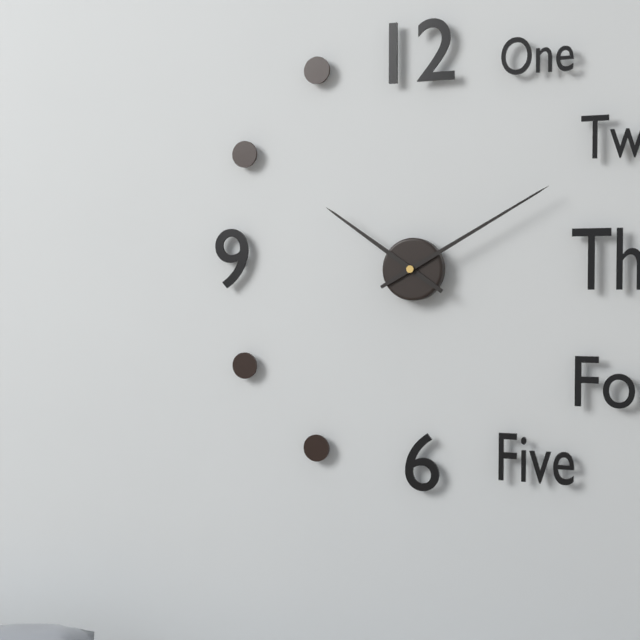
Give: 10h10
